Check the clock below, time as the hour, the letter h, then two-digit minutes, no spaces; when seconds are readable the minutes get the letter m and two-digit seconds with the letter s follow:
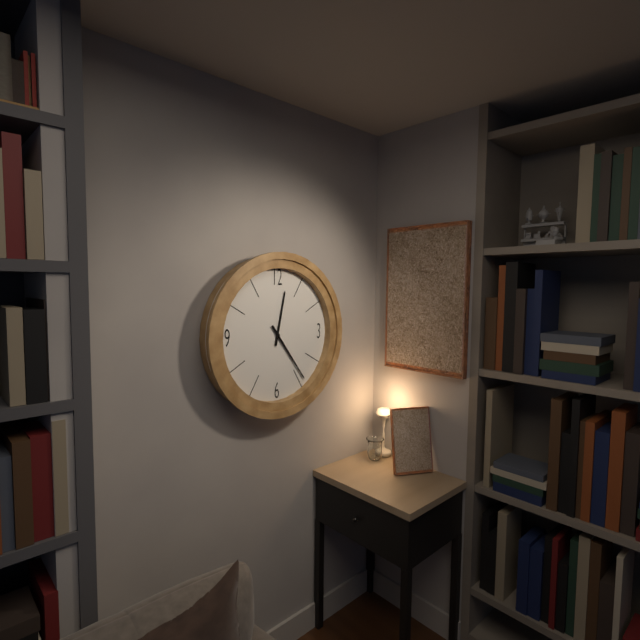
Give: 12h24
